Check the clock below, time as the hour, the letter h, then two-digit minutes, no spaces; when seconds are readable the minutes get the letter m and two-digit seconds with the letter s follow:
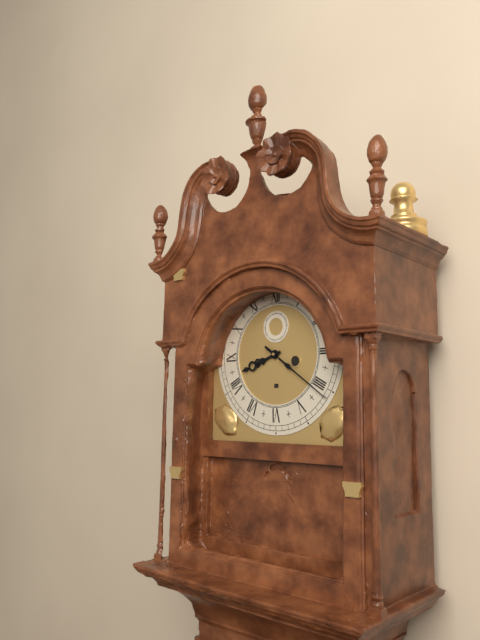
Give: 8h21
